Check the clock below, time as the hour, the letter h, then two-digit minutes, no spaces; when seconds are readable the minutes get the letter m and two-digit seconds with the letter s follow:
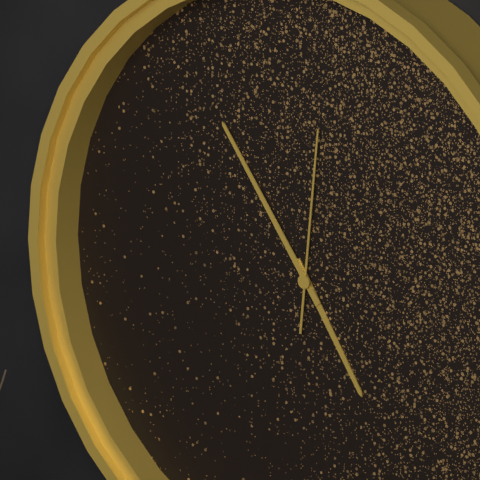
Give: 4h54m01s
